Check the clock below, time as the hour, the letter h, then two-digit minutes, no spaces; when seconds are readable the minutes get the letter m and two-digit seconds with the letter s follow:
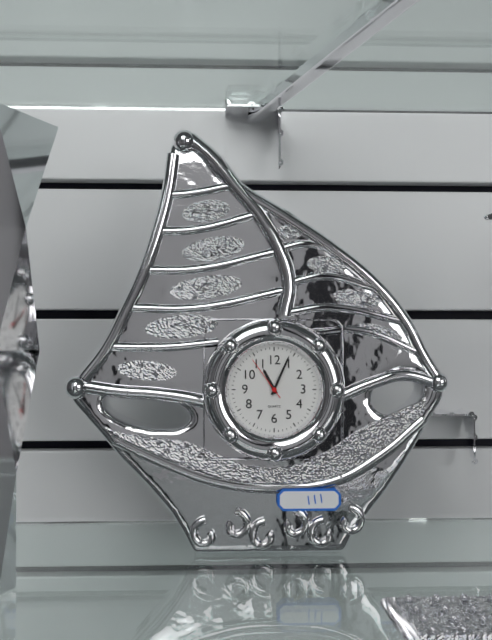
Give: 11h04
